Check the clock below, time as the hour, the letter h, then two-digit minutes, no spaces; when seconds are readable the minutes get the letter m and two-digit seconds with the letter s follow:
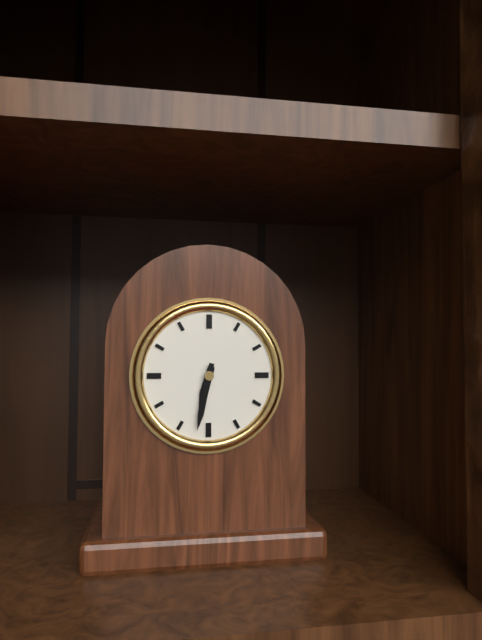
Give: 6h32
